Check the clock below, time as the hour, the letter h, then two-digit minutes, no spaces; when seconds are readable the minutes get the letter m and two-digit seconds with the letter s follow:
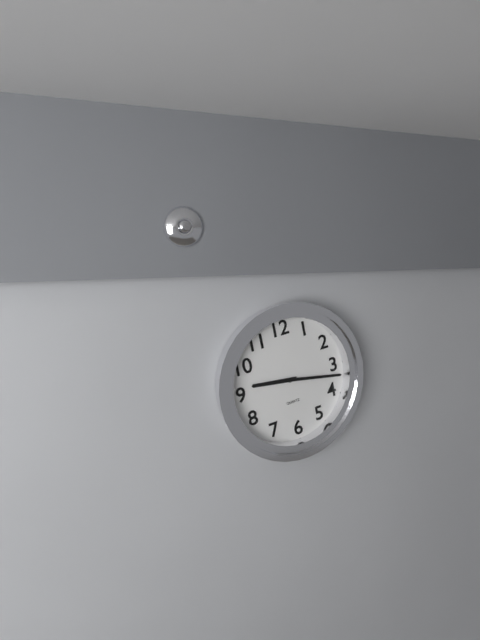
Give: 9h17
